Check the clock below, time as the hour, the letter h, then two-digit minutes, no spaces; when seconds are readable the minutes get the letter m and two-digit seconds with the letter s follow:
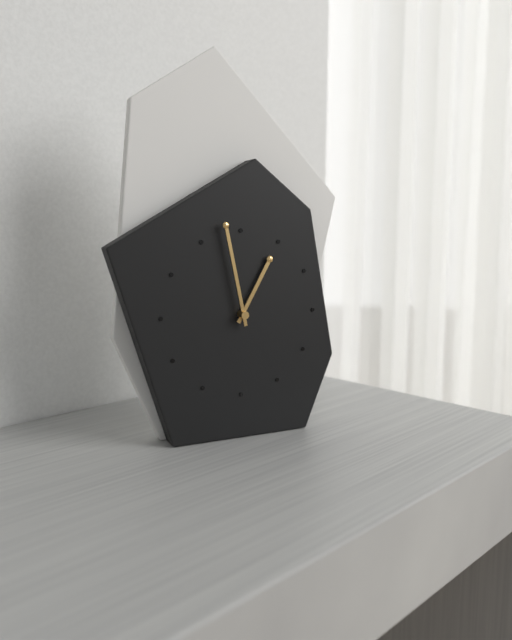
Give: 12h58
